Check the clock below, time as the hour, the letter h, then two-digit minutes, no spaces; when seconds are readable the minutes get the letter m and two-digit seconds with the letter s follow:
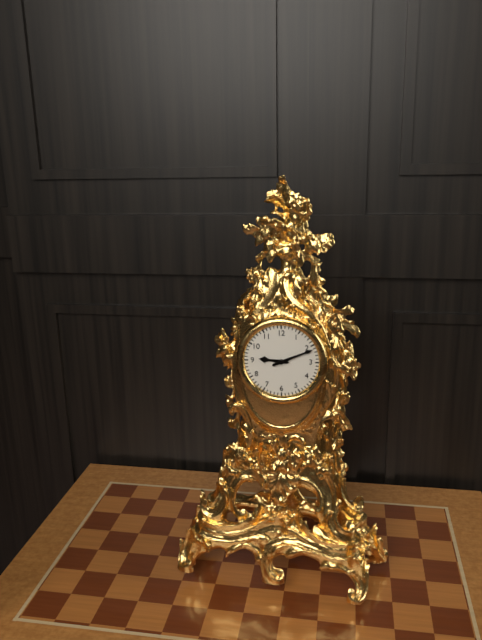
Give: 9h11
